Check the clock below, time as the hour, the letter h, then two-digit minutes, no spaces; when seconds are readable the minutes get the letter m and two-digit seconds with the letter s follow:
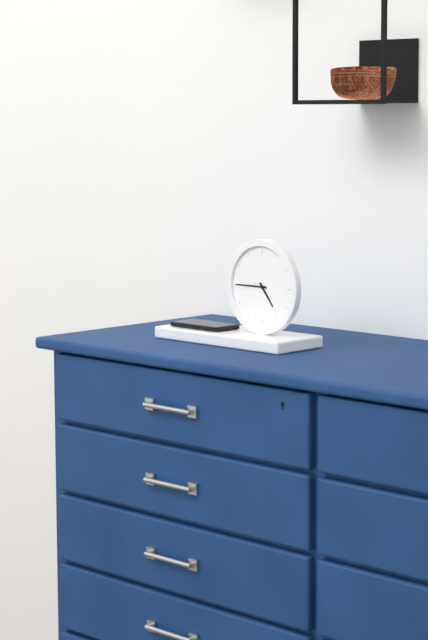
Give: 4h45
